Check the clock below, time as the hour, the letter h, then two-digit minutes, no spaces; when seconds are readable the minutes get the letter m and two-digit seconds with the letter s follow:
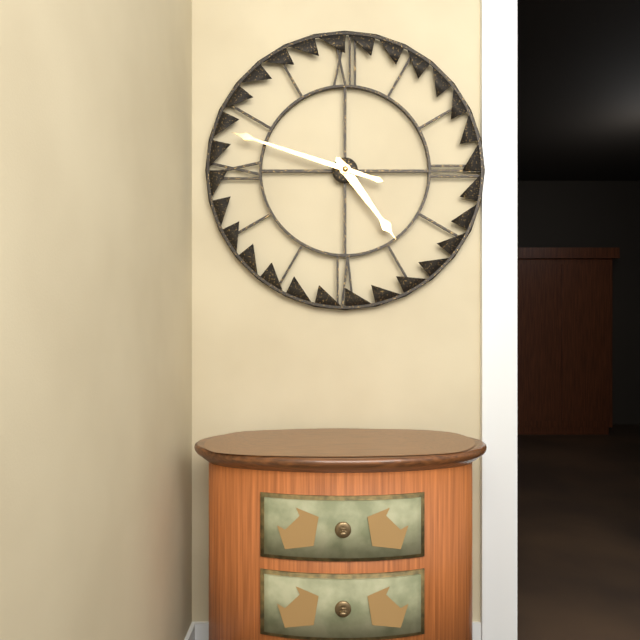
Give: 4h48
